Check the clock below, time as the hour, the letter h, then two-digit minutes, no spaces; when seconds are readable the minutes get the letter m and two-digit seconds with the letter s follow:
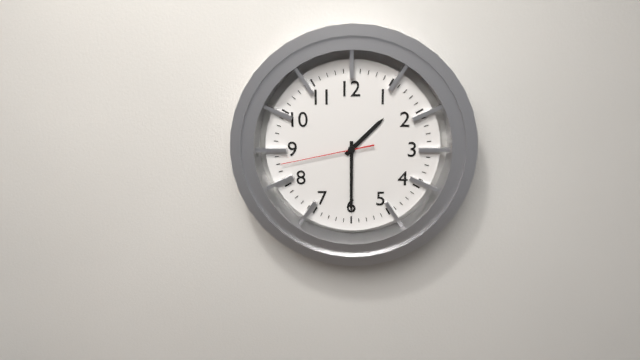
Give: 1h30m43s
